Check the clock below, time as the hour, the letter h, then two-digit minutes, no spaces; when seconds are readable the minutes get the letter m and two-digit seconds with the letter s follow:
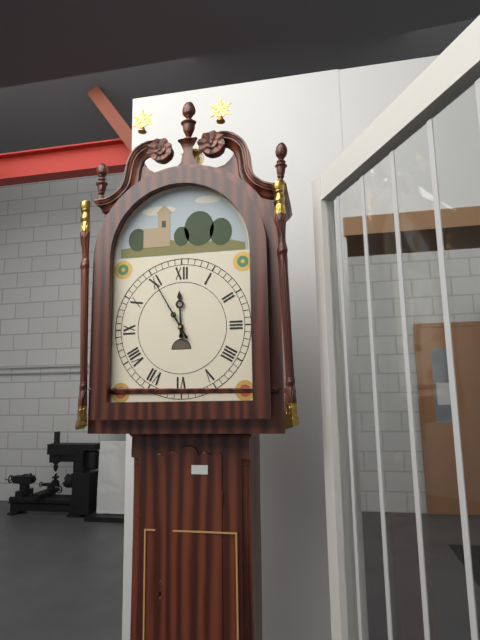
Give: 11h55
